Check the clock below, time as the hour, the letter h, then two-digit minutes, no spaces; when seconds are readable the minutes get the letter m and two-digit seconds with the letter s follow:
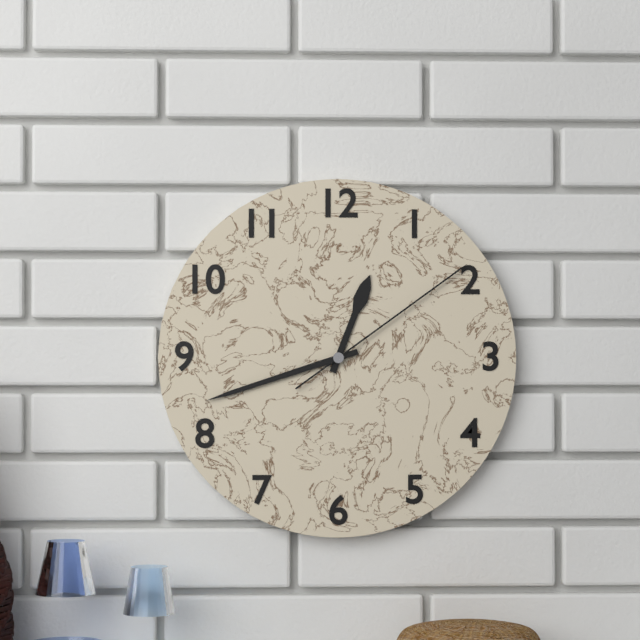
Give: 12h42m09s
